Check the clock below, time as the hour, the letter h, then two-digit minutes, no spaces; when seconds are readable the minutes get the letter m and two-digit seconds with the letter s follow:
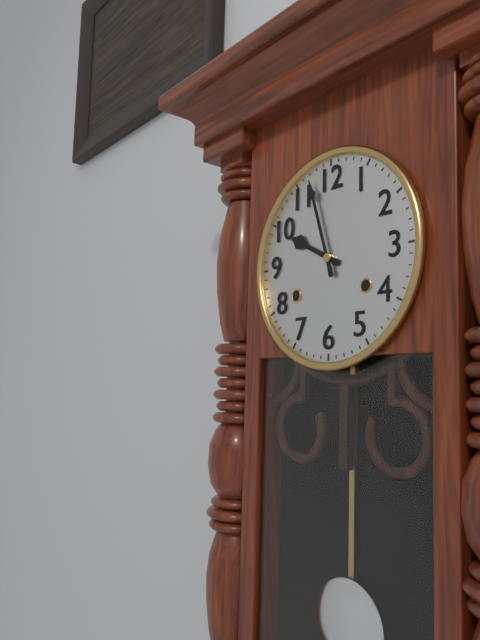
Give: 9h57
